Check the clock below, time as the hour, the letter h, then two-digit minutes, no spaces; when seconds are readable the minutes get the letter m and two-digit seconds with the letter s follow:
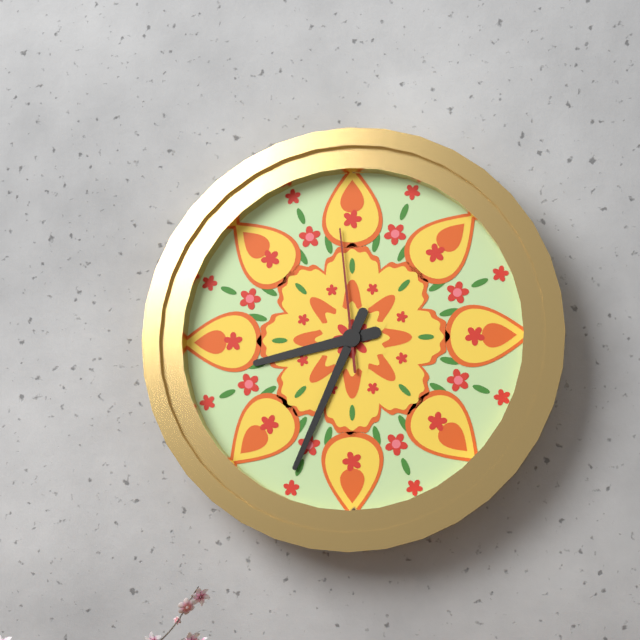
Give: 8h34m59s
